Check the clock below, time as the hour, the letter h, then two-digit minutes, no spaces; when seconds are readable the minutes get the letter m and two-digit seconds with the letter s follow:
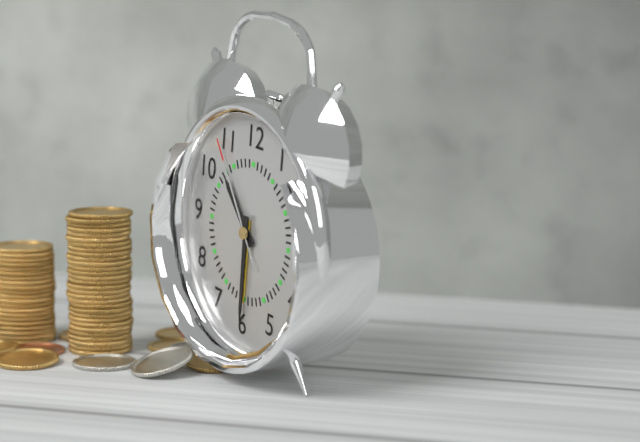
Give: 10h30m54s
